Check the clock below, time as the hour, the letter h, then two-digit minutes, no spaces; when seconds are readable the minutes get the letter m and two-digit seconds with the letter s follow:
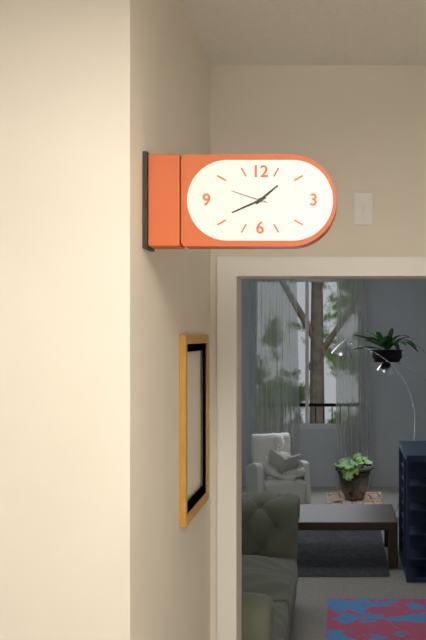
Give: 1h41
